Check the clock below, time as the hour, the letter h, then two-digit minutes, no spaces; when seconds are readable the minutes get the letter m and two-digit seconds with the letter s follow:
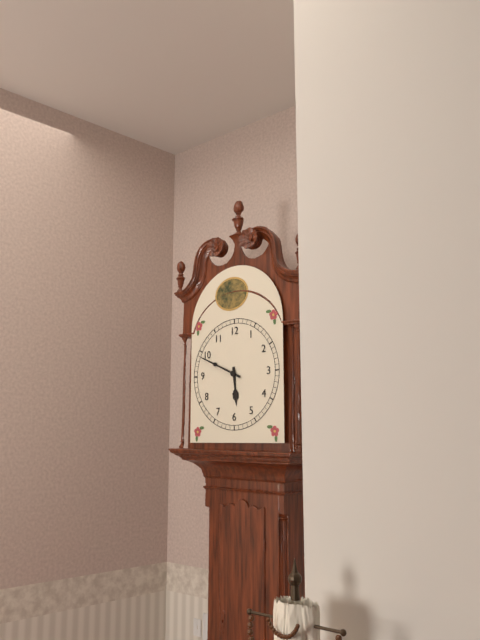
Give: 5h49
